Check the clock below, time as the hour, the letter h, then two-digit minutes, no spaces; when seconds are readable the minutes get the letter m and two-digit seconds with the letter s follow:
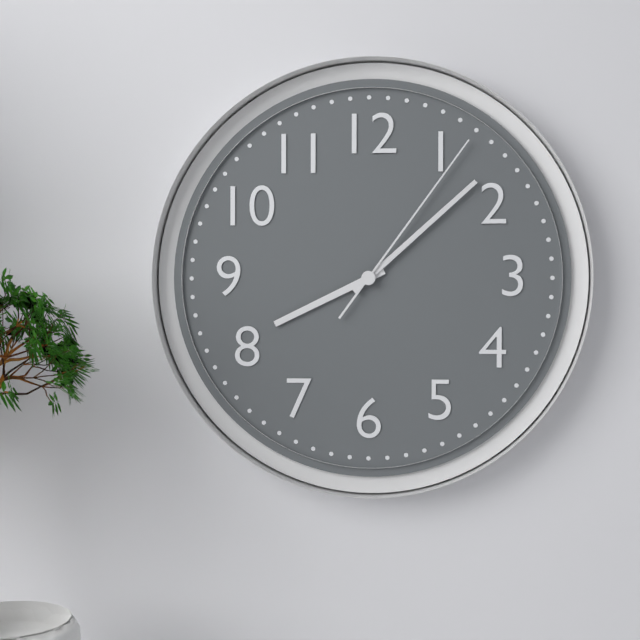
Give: 8h08m06s
